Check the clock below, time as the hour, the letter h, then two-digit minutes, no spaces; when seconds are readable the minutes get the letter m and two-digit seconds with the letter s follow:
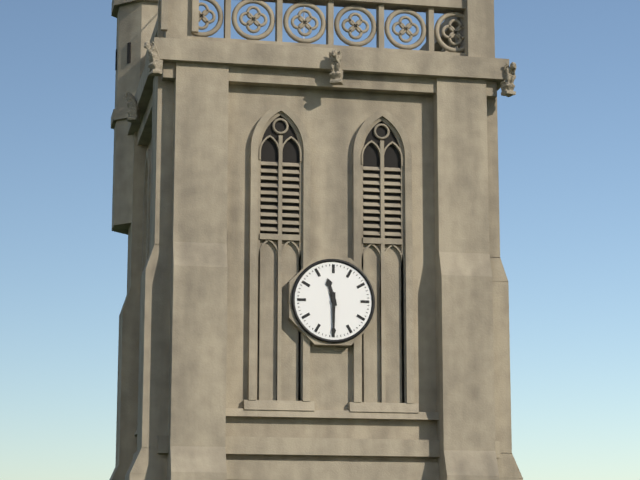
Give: 11h30
